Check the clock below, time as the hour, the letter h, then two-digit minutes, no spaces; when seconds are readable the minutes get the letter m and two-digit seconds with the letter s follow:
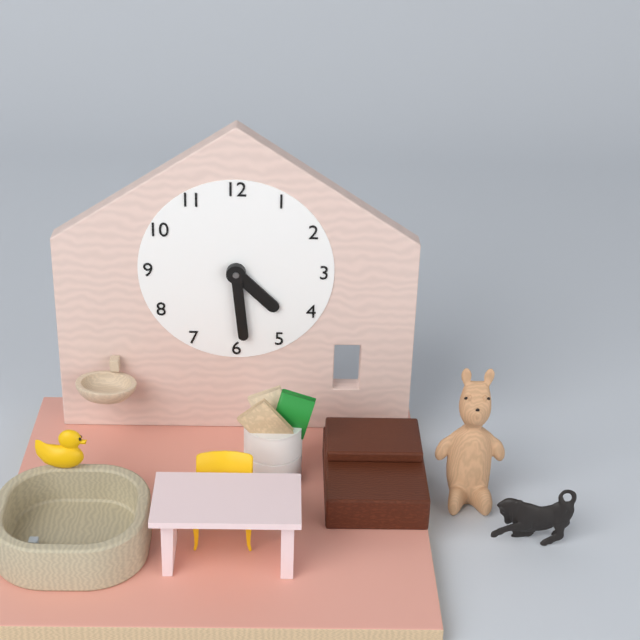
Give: 4h29
